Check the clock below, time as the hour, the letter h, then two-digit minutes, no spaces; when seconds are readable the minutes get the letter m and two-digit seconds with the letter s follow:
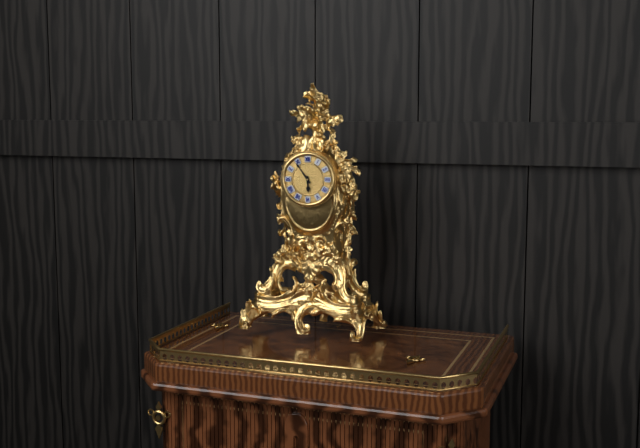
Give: 5h54
